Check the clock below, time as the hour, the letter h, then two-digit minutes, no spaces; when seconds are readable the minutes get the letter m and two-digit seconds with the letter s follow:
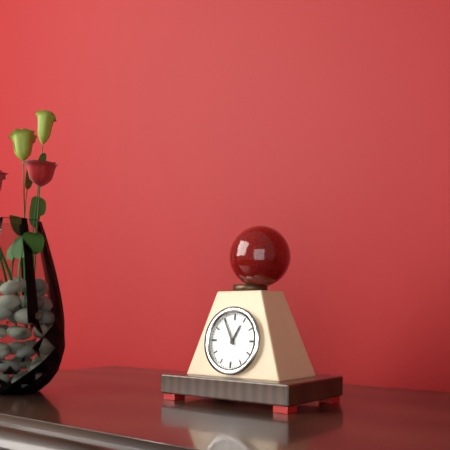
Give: 12h55
